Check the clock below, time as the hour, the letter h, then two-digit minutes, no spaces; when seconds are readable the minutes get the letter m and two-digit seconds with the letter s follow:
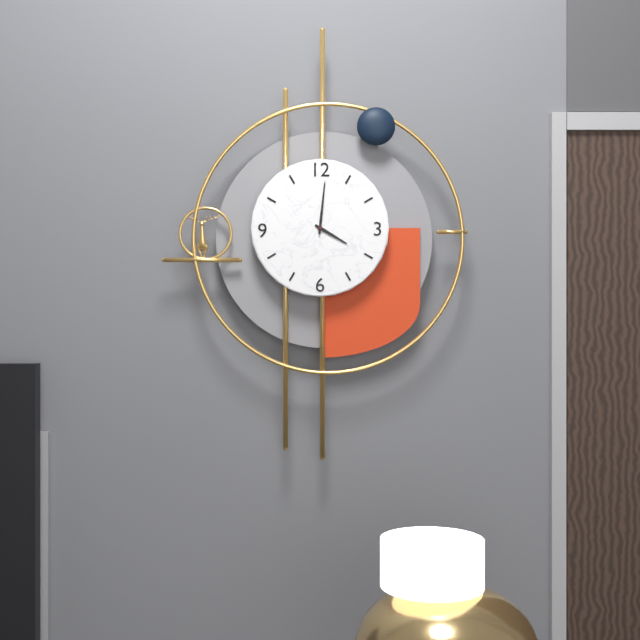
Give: 4h01
